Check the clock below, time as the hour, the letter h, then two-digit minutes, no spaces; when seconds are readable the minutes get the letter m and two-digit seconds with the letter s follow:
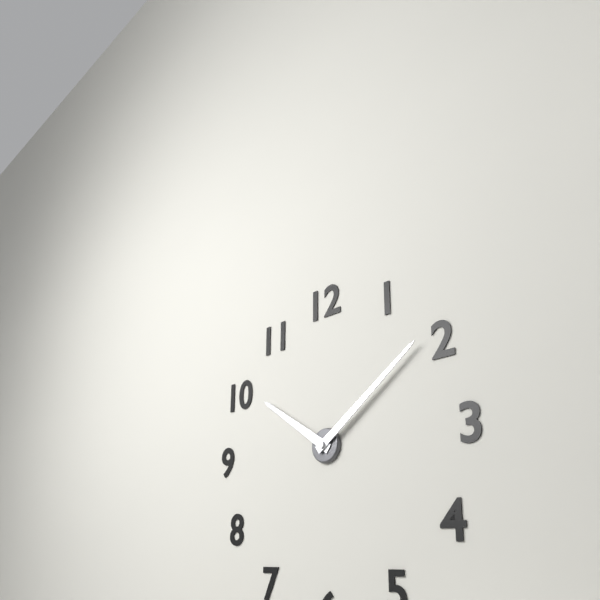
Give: 10h09
